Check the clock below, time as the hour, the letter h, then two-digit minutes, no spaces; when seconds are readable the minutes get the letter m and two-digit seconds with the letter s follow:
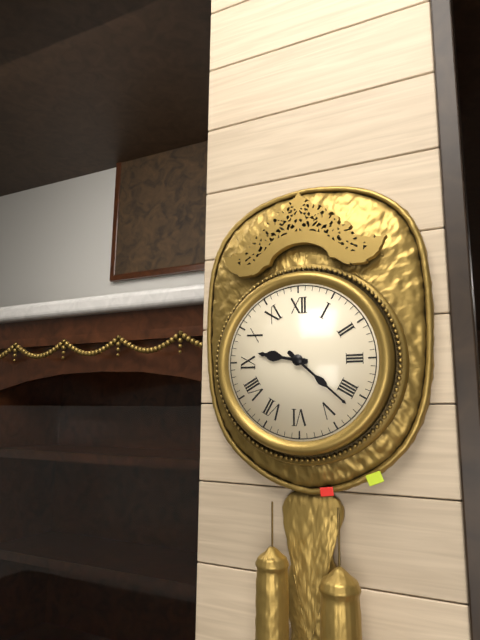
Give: 9h22
